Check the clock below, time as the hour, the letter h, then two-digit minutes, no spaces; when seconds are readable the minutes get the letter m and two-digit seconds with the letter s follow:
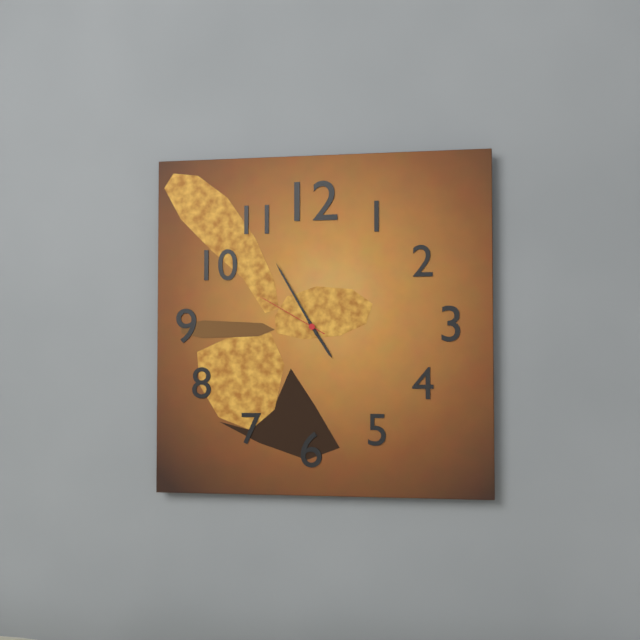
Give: 4h55m50s
